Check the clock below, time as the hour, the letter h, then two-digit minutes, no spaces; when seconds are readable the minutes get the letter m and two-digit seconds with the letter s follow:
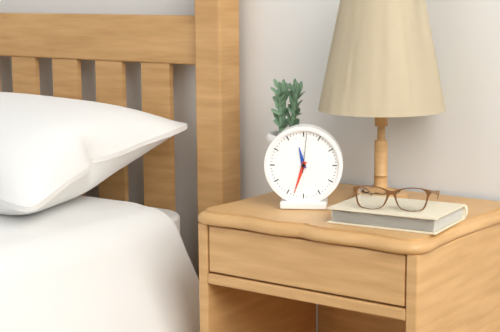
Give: 11h33
